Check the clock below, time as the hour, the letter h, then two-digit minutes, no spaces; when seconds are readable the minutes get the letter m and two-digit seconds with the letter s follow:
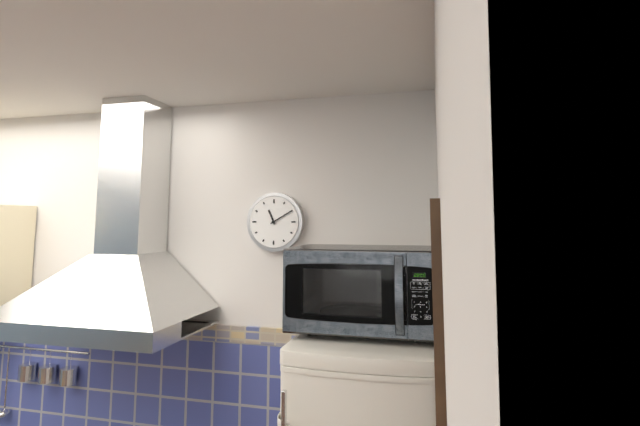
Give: 11h10
